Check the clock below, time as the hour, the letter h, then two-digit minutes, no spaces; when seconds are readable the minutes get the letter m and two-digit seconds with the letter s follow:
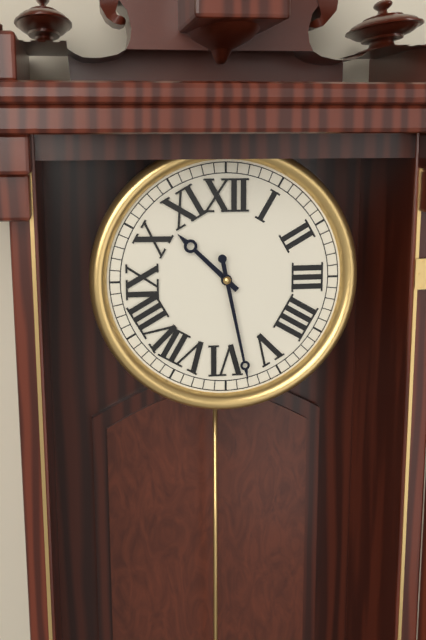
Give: 10h28
